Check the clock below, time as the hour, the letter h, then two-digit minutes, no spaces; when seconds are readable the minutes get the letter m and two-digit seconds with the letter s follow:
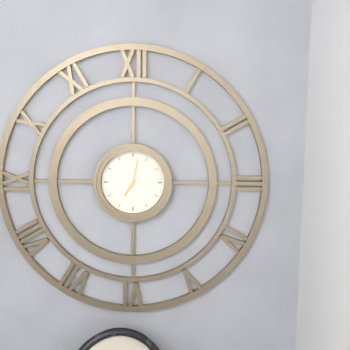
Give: 7h02
